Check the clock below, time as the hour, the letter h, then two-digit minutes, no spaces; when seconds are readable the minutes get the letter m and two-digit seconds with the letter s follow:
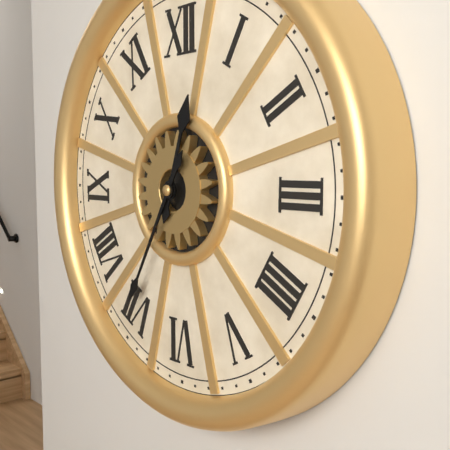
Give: 12h35
